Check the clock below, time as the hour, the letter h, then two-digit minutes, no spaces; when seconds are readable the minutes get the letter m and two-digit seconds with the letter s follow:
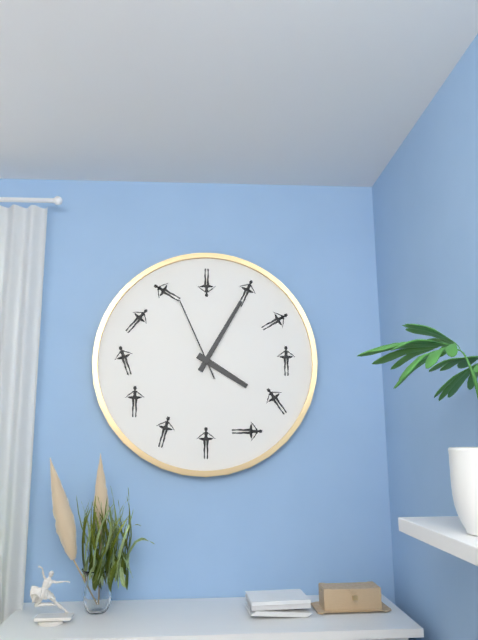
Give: 4h05m56s
